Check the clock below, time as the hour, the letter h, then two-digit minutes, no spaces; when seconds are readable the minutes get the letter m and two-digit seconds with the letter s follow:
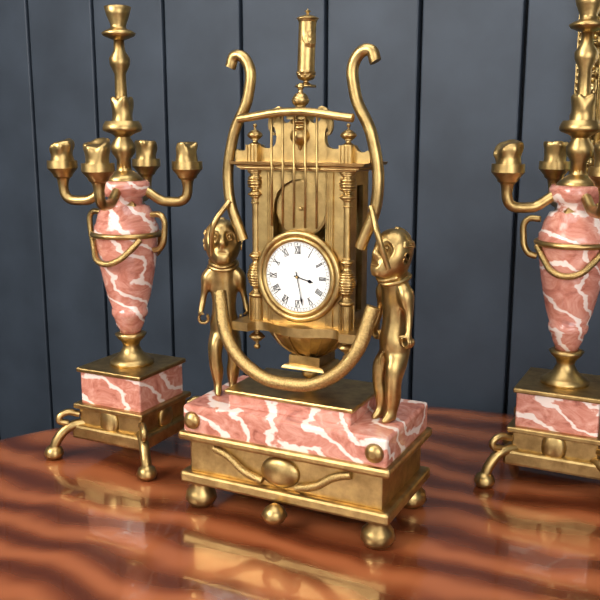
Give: 3h28
